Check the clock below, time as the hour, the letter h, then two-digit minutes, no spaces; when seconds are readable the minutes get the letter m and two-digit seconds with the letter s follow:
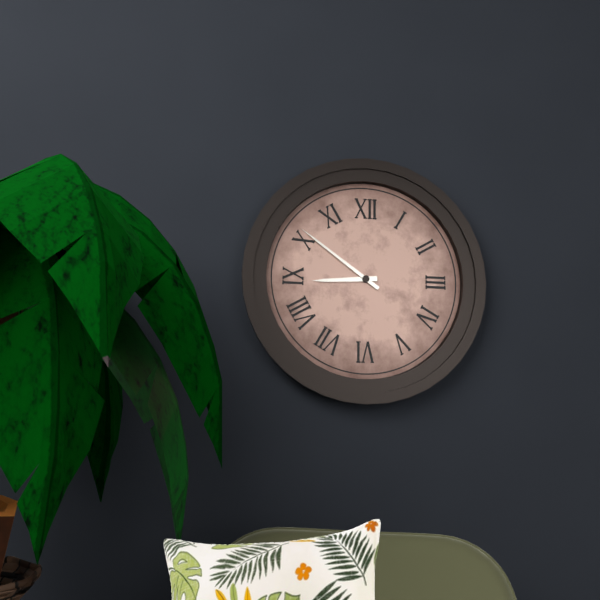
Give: 8h51
